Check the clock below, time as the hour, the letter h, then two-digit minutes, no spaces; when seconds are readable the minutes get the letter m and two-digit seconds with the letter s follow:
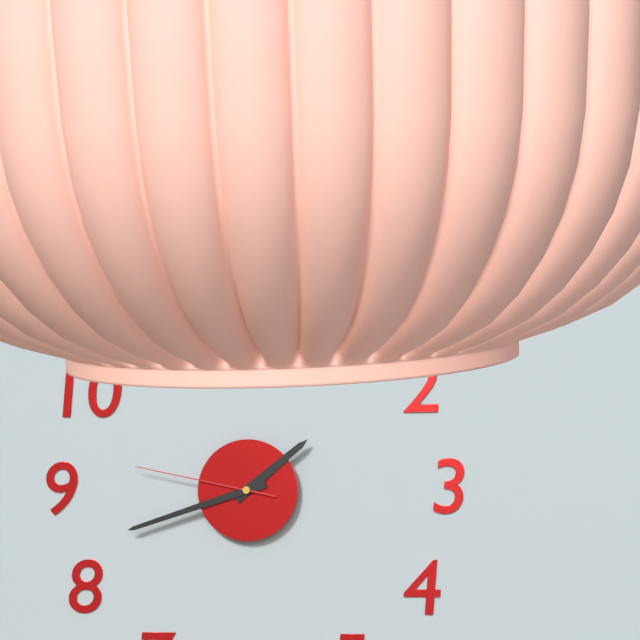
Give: 1h42m47s
